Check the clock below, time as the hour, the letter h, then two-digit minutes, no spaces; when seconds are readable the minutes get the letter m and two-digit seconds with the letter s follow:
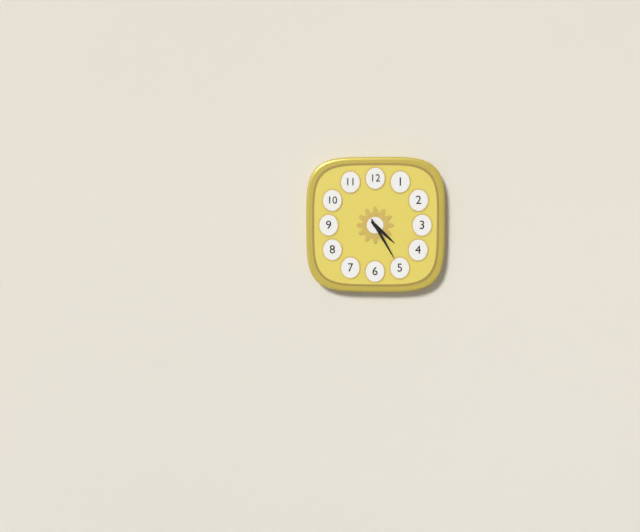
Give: 4h25
